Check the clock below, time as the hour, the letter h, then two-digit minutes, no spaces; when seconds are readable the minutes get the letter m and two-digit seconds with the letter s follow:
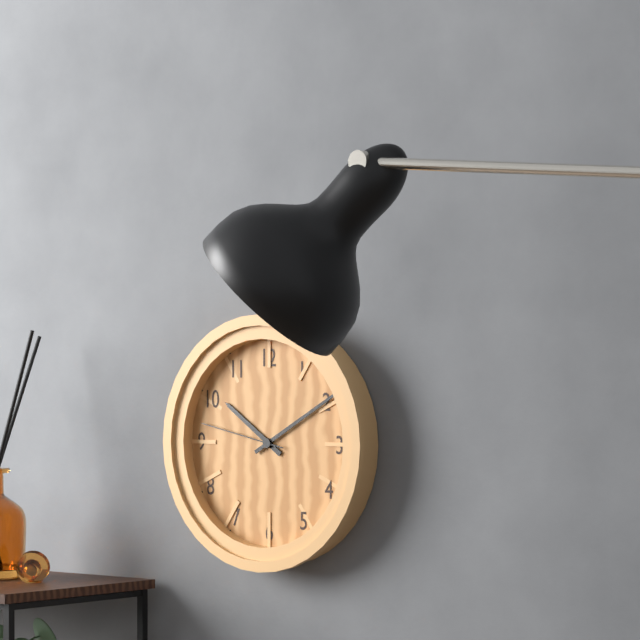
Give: 10h10m47s
